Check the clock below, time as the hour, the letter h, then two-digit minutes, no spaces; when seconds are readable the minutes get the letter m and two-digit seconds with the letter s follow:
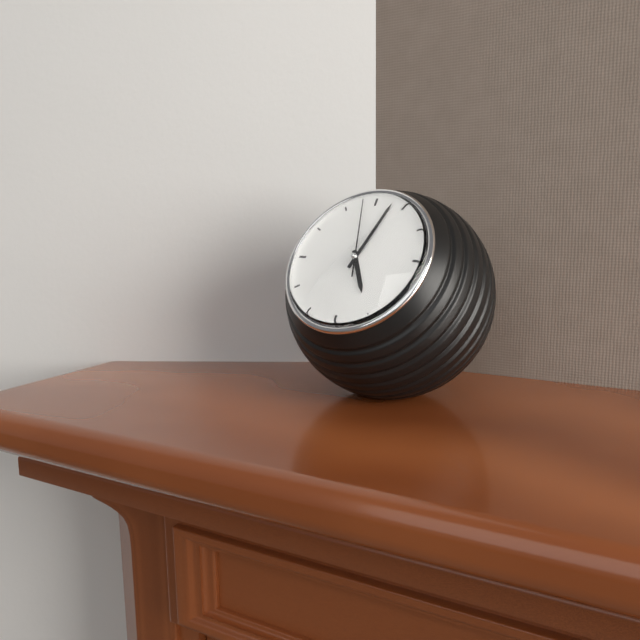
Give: 5h03m58s
